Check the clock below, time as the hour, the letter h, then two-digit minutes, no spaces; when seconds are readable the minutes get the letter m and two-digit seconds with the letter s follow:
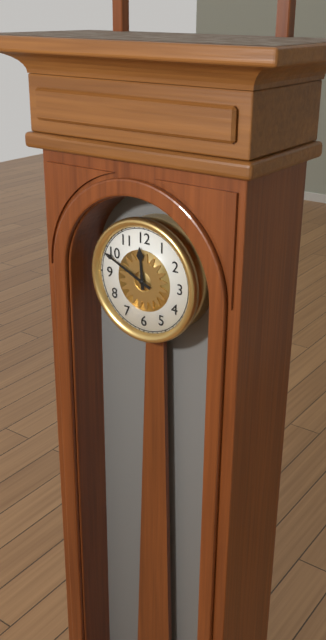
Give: 11h49
